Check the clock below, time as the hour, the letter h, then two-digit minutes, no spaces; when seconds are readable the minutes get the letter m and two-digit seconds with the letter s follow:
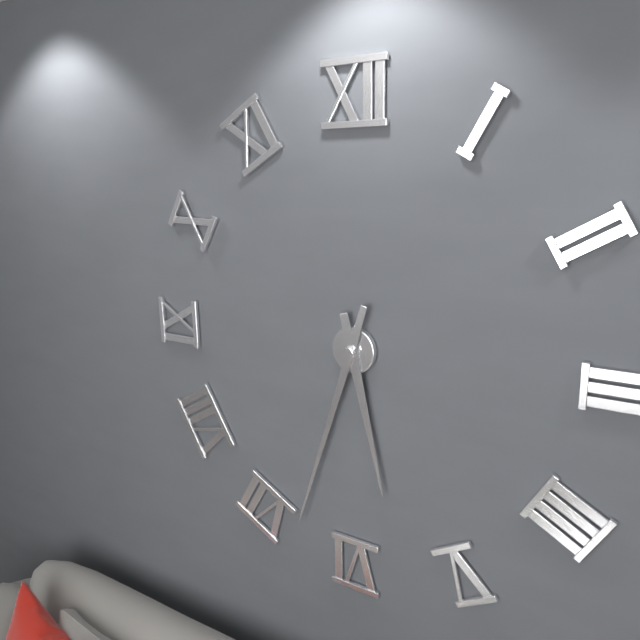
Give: 5h33
